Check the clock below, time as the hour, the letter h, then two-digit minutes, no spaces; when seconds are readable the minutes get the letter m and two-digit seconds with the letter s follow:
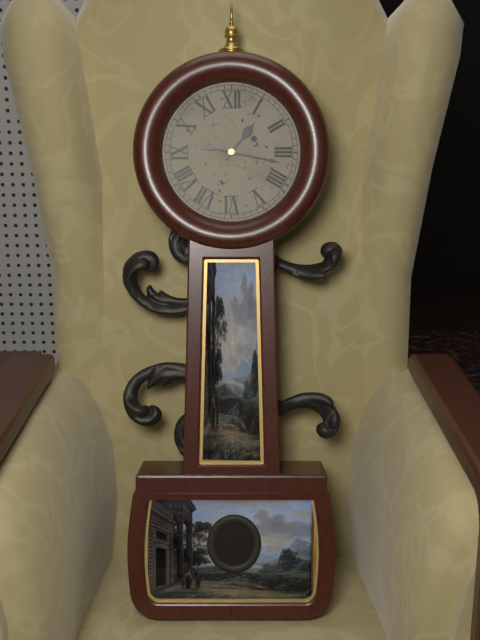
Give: 1h17
